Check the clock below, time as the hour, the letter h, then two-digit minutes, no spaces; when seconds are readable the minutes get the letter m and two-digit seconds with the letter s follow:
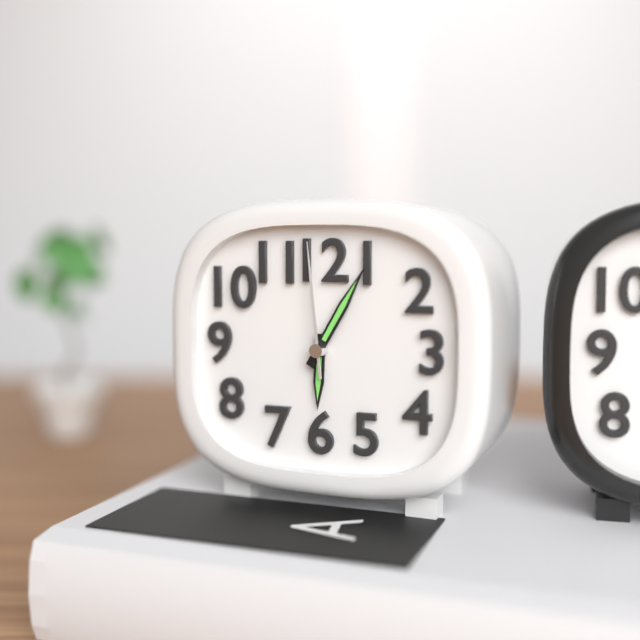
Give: 6h05m59s
